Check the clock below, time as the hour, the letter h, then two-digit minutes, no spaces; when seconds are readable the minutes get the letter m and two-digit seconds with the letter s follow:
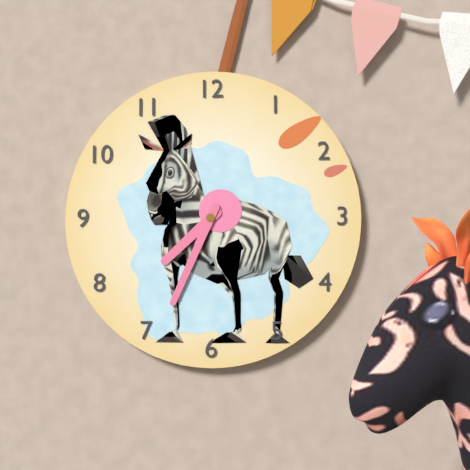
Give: 7h34
